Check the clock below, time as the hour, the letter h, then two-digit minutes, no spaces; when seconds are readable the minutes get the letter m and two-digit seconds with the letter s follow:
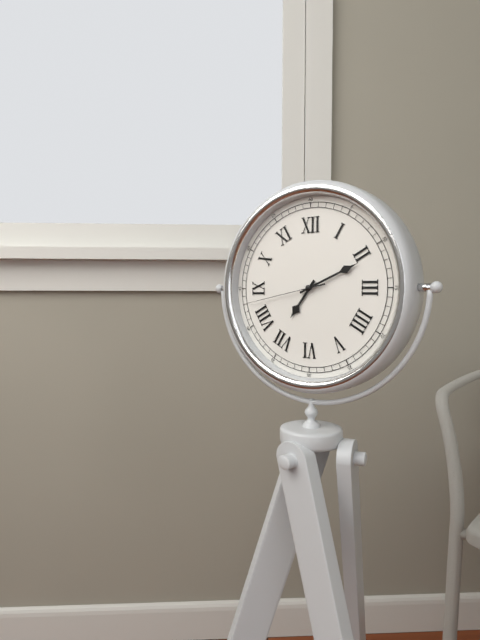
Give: 7h11m43s
